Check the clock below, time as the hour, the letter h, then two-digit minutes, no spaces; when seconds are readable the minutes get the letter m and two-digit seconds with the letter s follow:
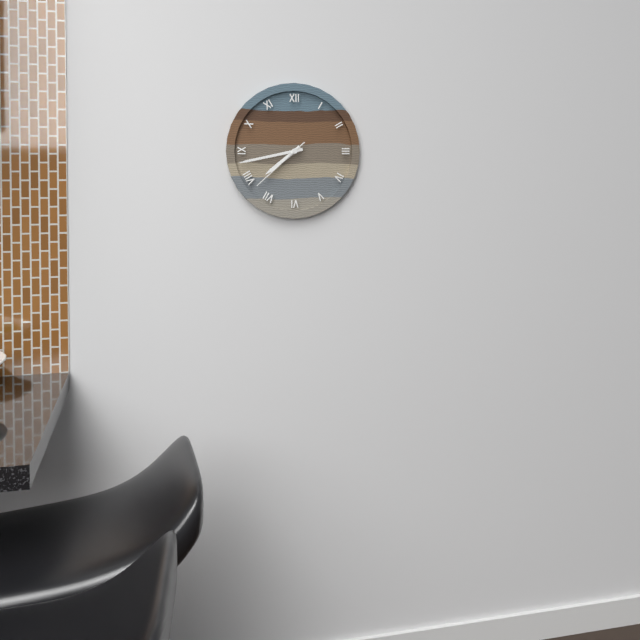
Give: 7h43m38s
